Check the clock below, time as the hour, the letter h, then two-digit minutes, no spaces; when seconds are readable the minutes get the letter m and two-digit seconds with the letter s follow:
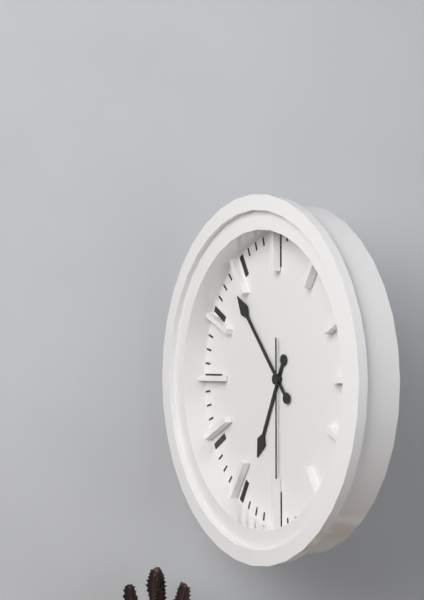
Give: 6h53m30s
